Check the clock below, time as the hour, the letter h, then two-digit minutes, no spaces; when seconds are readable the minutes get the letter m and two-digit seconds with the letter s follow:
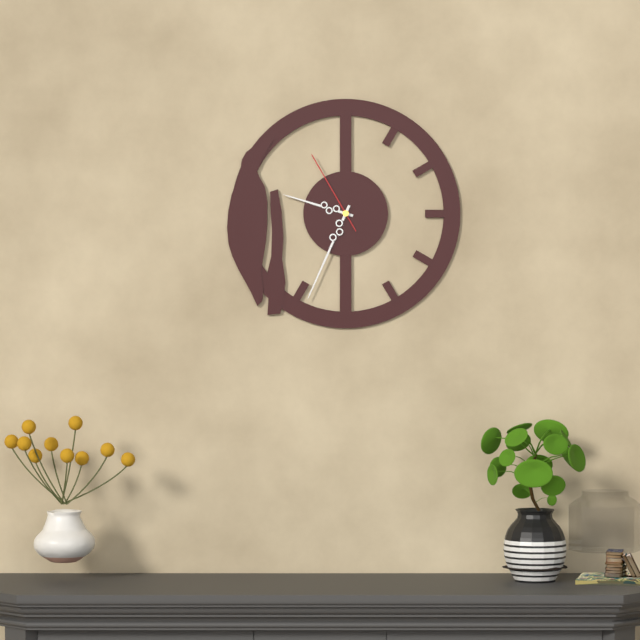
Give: 9h34m55s
